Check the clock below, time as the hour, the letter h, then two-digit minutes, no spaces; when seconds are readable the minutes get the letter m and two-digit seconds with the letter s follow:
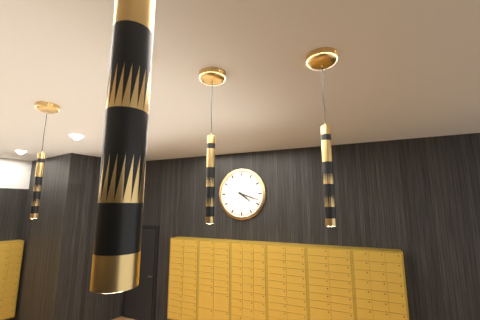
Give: 4h18
